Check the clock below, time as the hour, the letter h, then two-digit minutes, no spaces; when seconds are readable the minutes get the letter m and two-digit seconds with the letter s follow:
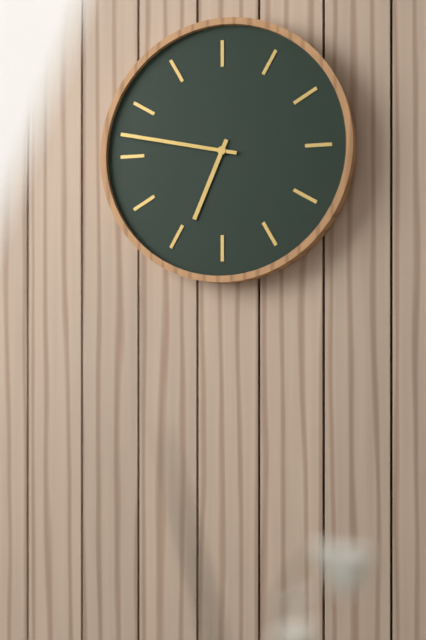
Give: 6h47
